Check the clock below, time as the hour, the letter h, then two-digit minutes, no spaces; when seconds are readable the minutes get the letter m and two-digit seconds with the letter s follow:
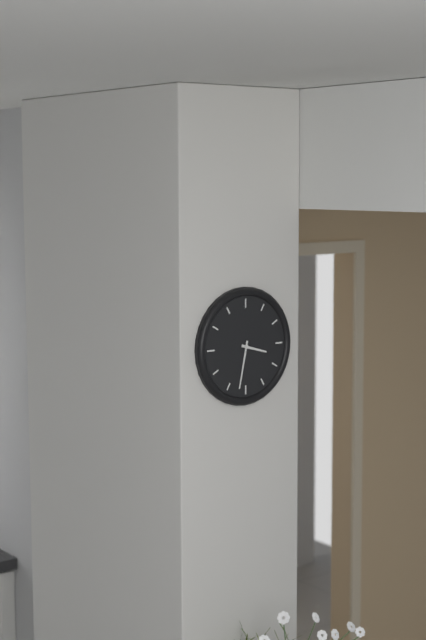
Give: 3h32
